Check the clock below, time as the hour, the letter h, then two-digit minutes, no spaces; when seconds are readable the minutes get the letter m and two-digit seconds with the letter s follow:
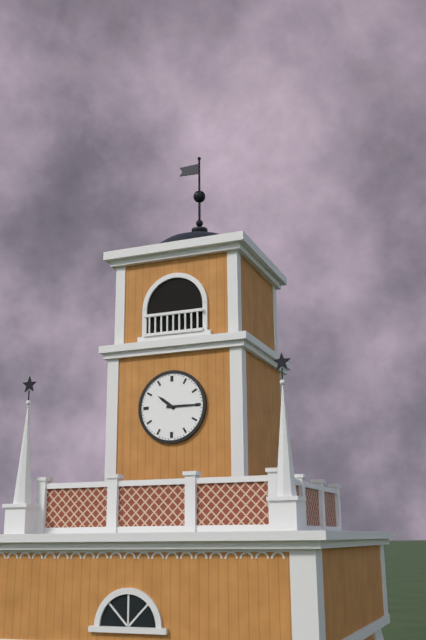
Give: 10h15
